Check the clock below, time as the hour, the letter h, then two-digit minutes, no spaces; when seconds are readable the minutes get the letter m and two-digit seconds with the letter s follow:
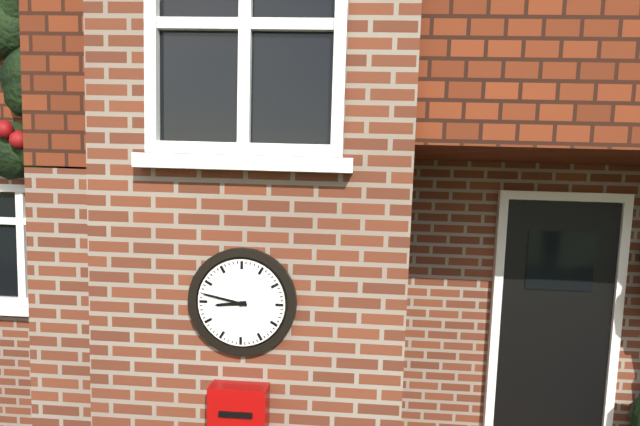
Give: 8h47
